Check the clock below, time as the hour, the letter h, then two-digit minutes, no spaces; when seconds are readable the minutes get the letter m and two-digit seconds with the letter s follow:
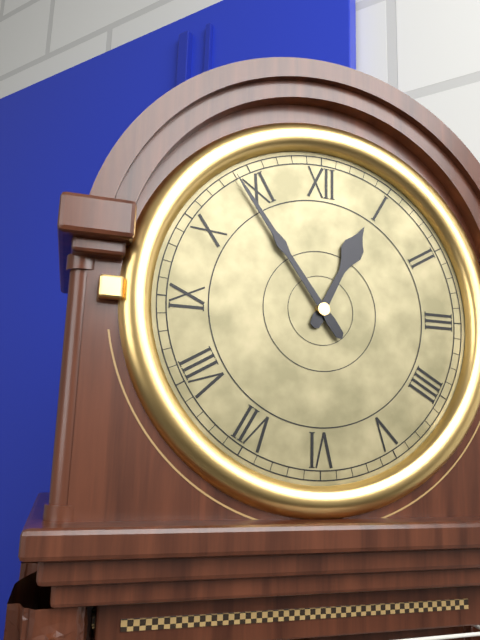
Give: 12h54
